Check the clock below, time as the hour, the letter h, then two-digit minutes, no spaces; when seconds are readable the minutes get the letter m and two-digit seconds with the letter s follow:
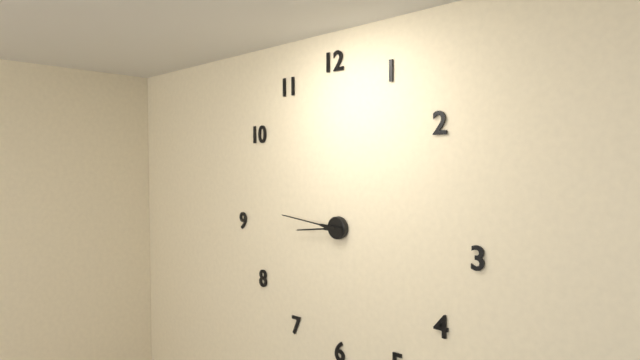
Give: 8h46
